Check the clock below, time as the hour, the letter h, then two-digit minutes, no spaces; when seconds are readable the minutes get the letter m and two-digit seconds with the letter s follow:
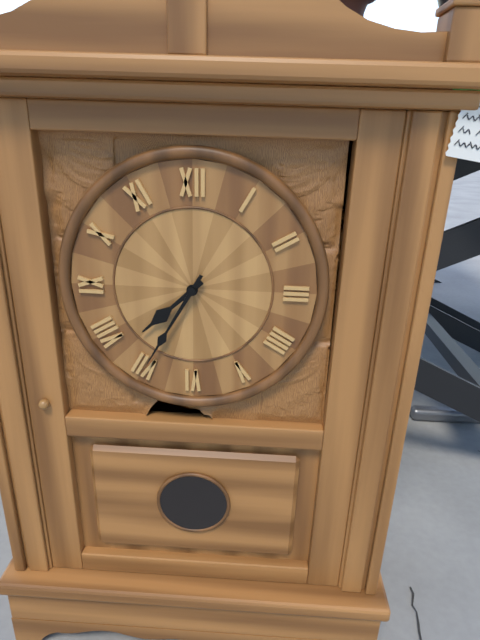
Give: 7h35
